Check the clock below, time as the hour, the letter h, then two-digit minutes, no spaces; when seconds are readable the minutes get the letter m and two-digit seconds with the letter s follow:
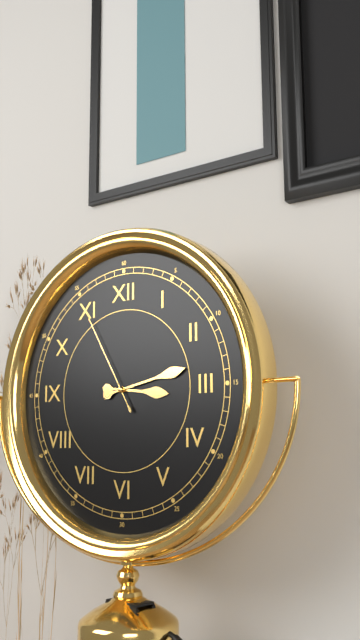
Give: 3h13m55s
